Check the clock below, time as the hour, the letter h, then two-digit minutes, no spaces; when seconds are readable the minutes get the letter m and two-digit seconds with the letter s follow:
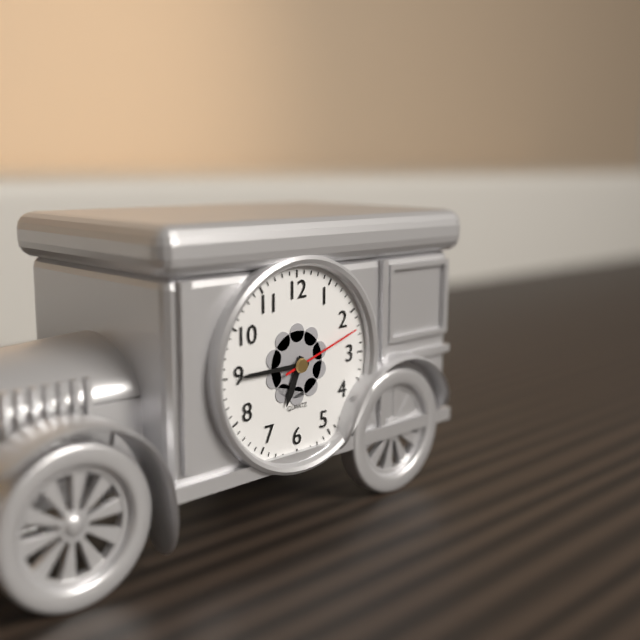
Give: 6h45m12s
